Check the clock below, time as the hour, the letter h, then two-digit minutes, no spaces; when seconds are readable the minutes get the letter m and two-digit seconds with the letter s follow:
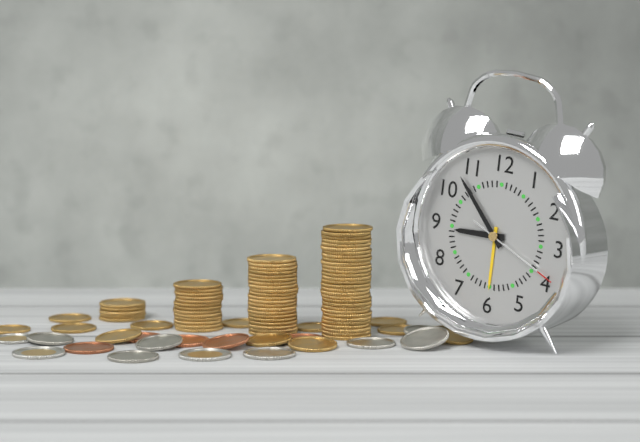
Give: 8h53m19s
